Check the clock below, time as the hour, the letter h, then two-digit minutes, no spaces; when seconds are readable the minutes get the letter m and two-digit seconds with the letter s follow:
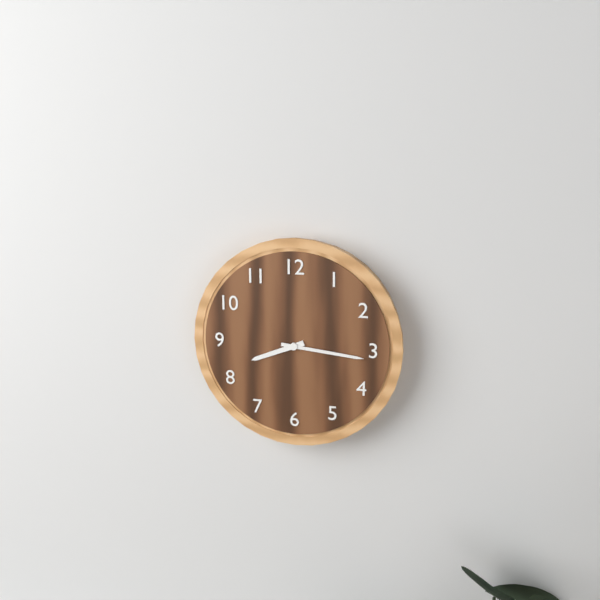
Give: 8h16
